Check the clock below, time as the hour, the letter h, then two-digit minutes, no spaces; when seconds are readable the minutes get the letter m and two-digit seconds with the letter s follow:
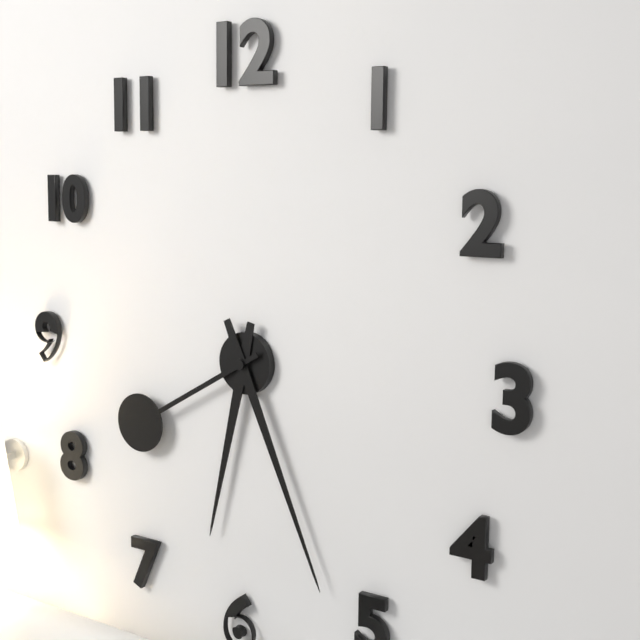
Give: 6h26m40s
